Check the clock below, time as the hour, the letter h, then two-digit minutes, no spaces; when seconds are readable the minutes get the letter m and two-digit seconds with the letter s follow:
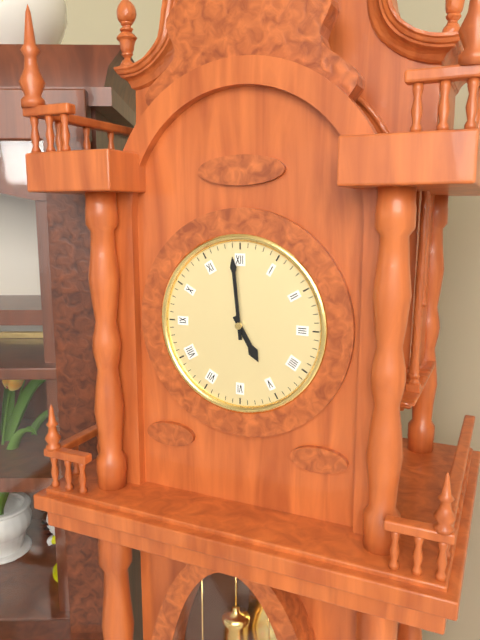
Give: 4h59
